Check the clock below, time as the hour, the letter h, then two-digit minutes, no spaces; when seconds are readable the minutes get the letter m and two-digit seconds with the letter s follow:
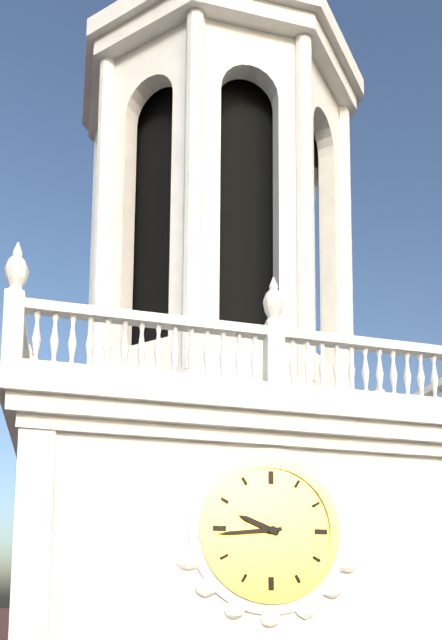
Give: 9h44
